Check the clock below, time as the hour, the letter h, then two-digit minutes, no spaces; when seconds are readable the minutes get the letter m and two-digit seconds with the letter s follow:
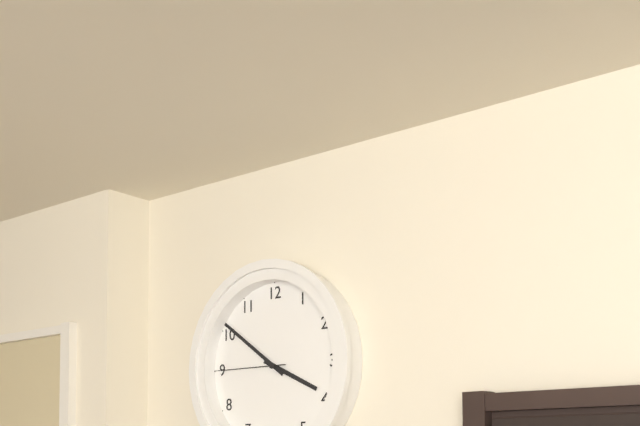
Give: 3h51m45s
